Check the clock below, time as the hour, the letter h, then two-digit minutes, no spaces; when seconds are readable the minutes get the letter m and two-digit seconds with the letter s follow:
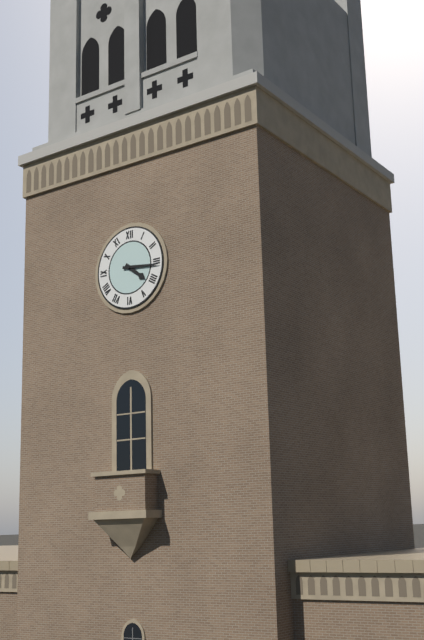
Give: 4h16
